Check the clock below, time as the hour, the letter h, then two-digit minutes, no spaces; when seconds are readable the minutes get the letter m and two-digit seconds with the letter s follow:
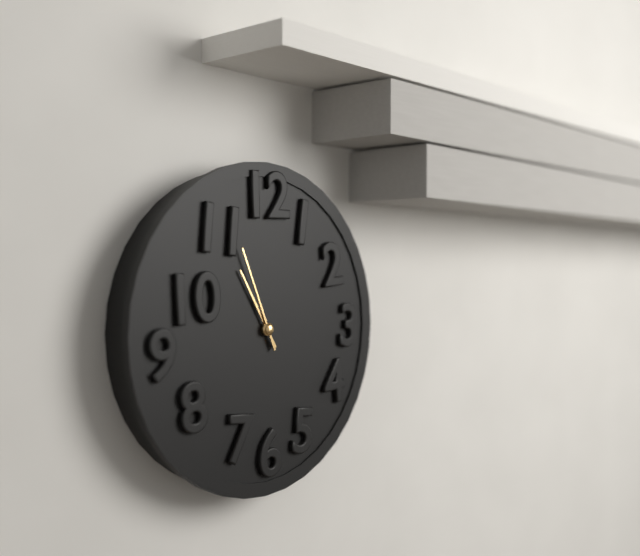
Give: 10h56
